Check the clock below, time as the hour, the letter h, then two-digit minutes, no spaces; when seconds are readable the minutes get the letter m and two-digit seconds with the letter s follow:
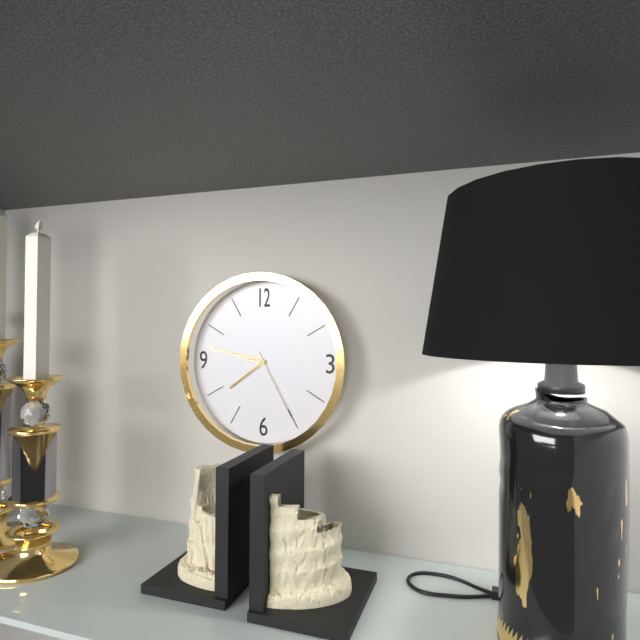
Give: 7h47m25s
